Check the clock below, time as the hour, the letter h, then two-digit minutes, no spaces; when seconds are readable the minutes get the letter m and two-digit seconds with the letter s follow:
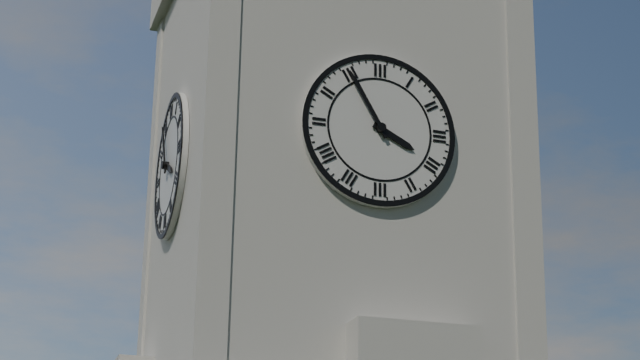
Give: 3h55
